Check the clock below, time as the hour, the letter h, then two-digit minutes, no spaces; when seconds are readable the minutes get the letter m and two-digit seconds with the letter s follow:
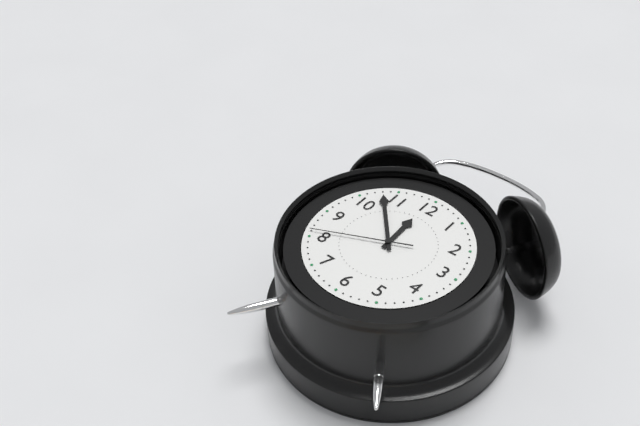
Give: 11h53m41s
